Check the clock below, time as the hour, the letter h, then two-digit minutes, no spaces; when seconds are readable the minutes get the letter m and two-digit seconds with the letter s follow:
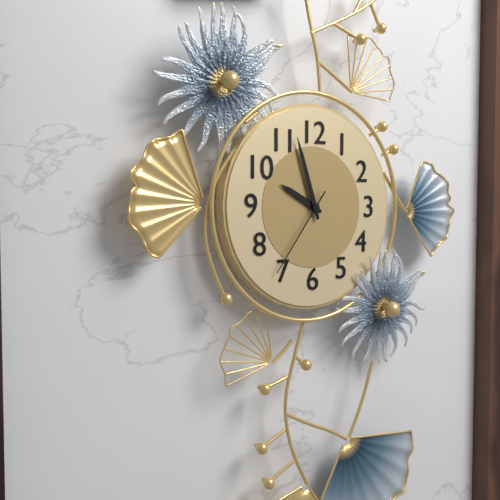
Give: 9h57m36s
